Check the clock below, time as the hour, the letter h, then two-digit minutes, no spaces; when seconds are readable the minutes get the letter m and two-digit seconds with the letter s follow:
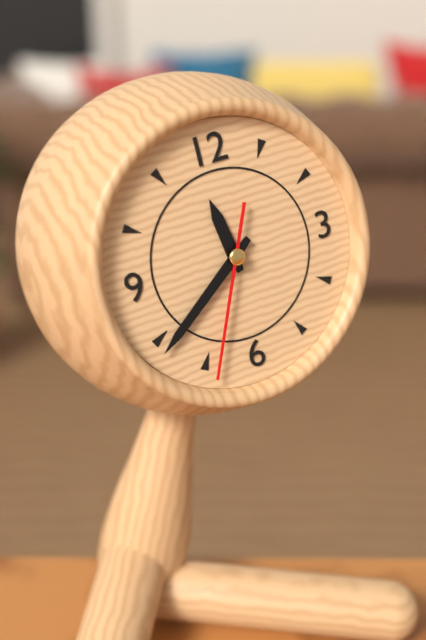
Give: 11h39m34s
